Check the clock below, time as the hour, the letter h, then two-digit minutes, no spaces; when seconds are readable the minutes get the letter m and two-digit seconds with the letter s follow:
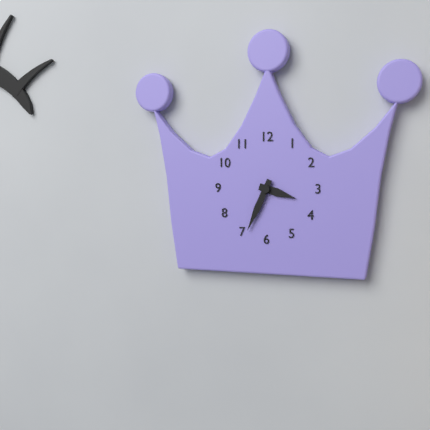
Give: 3h34
